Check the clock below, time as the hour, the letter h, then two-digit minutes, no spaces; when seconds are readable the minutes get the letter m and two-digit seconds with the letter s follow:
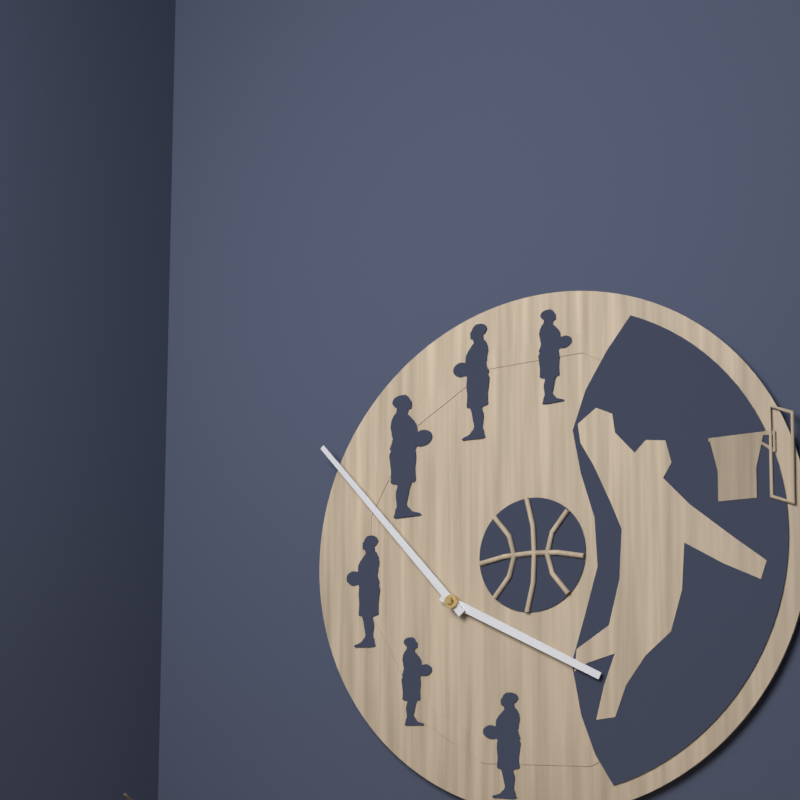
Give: 3h53
